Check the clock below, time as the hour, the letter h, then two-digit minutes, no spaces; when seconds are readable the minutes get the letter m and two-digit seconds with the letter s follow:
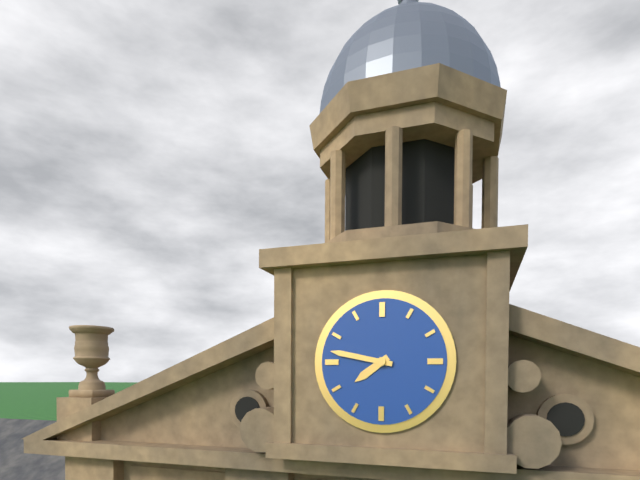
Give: 7h47
